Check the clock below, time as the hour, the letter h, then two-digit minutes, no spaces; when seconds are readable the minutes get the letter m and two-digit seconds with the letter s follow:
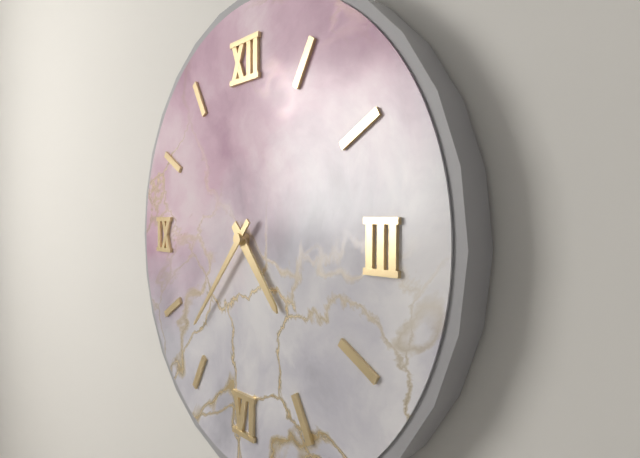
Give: 4h37
